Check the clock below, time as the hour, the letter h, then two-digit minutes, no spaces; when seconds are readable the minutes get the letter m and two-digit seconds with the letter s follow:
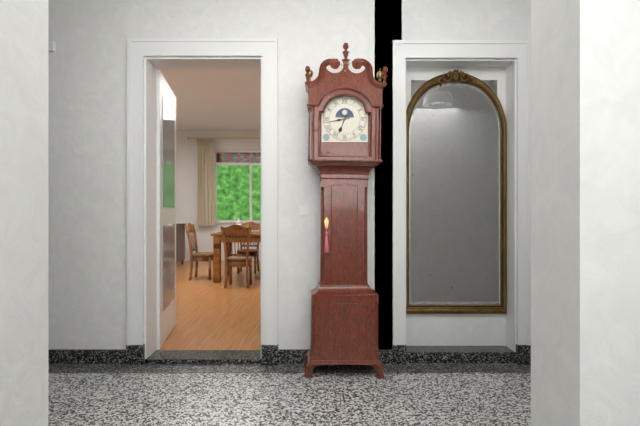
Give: 6h43
